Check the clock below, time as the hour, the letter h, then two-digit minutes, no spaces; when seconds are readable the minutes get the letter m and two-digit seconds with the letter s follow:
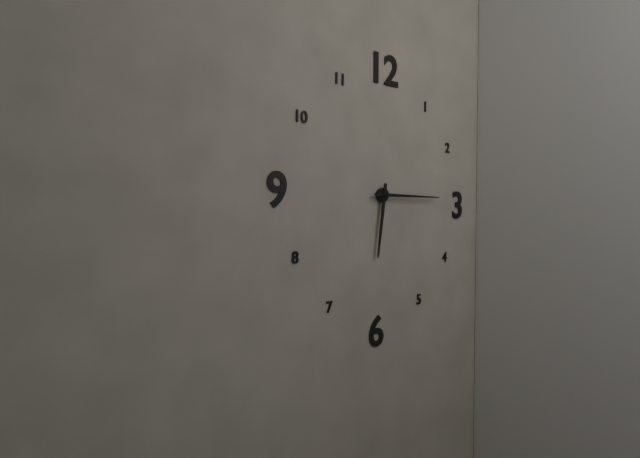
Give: 6h15
